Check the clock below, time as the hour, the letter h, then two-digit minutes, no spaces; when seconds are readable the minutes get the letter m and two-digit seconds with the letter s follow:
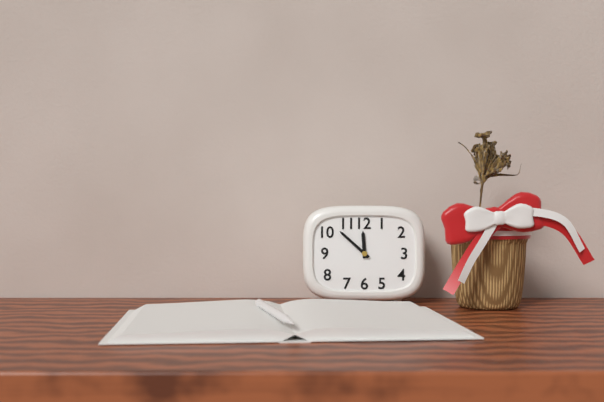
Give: 11h52
